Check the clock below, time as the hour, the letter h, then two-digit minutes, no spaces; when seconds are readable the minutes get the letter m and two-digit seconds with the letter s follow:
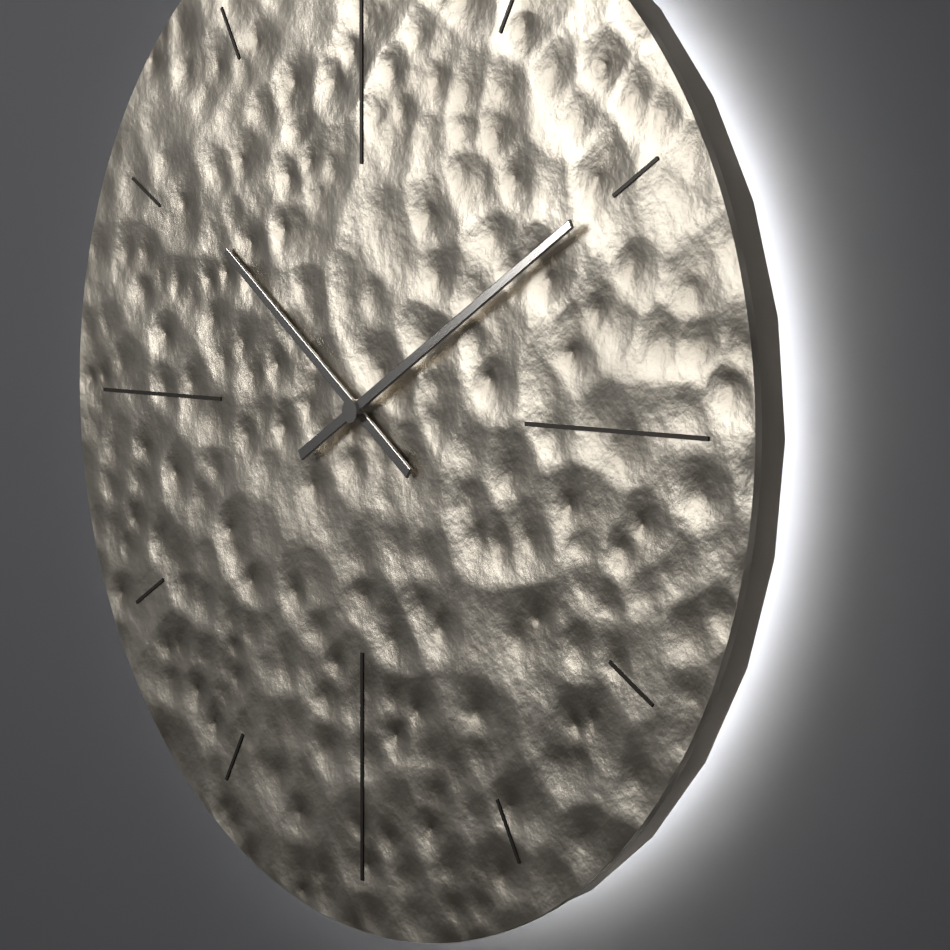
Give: 10h10
